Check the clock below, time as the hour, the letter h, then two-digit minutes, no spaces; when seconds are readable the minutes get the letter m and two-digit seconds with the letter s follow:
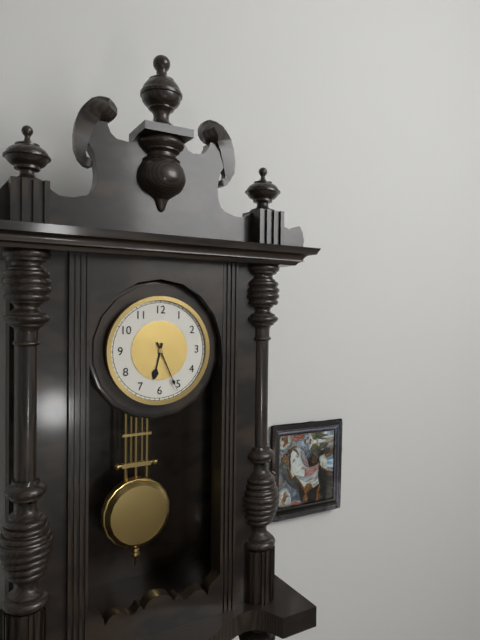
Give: 6h26
